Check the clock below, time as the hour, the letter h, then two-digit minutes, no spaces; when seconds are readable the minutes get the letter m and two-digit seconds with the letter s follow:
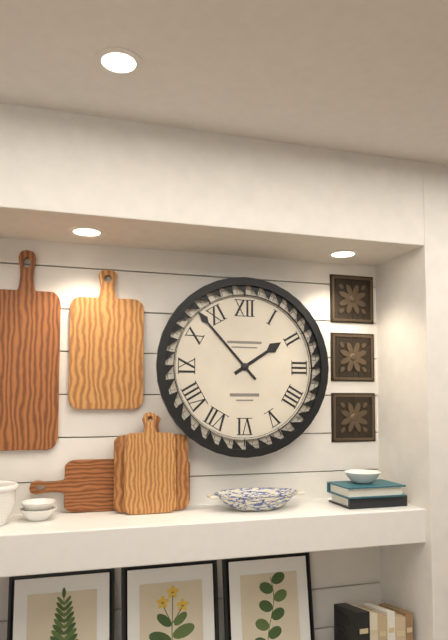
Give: 1h53
